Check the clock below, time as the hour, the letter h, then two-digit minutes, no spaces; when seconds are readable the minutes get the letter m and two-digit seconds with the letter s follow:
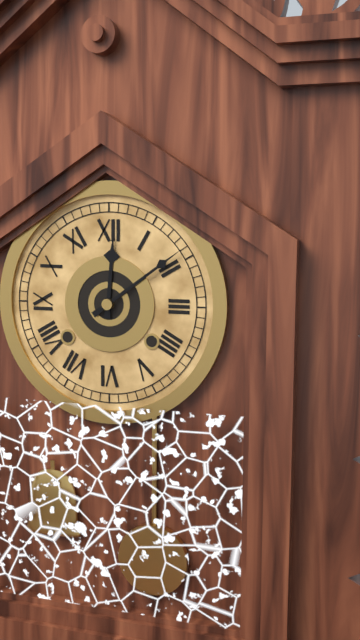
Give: 12h09
